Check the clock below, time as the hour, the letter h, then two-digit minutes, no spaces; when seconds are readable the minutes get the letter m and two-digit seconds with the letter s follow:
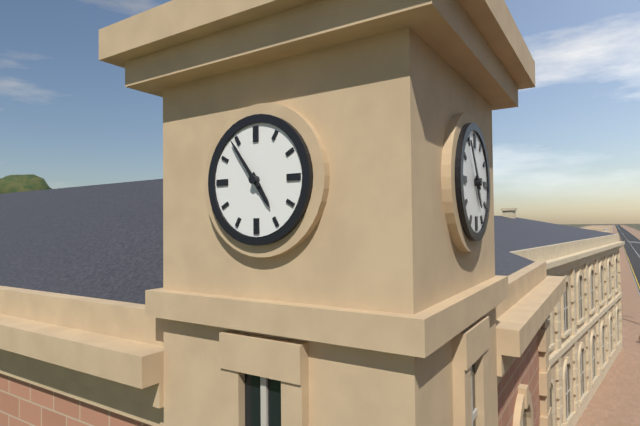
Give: 4h54
